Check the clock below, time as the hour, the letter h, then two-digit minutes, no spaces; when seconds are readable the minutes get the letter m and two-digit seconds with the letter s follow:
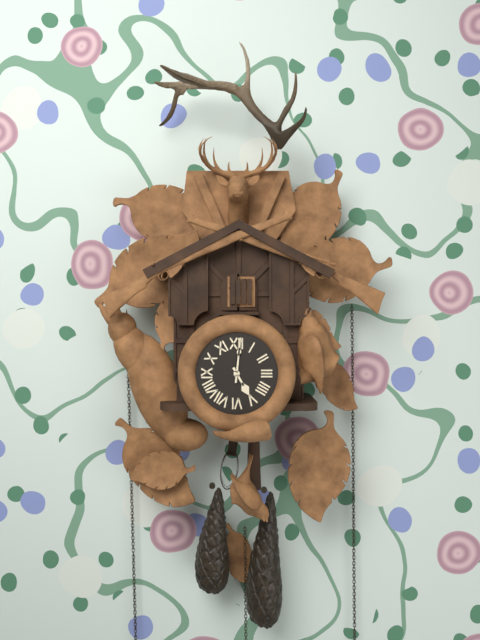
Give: 5h01
